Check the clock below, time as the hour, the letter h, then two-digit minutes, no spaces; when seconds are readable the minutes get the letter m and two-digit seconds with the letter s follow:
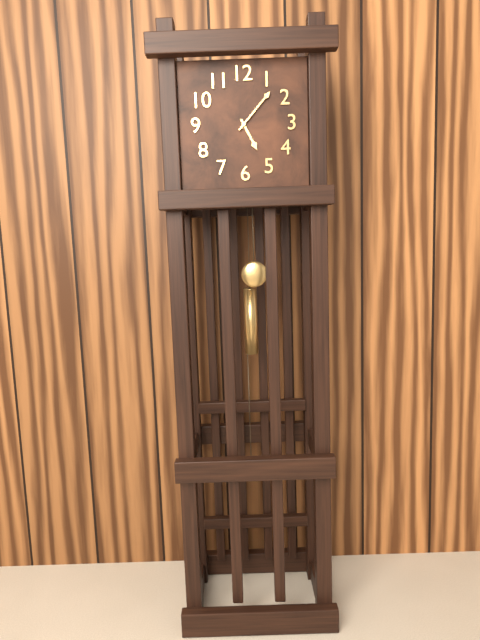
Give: 5h07
